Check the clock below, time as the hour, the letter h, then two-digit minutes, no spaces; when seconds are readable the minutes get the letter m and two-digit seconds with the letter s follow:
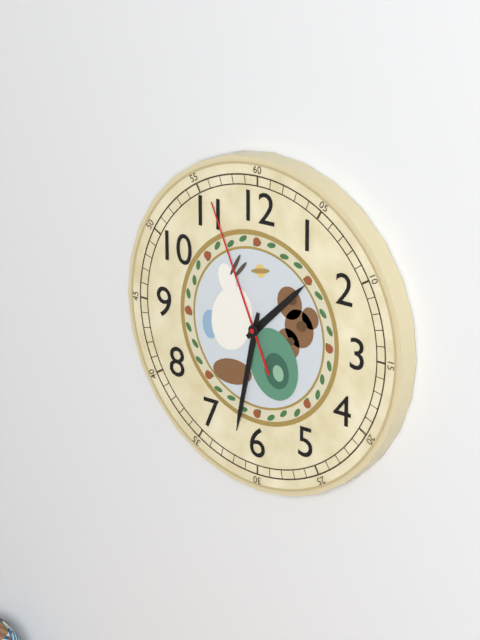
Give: 1h32m56s
